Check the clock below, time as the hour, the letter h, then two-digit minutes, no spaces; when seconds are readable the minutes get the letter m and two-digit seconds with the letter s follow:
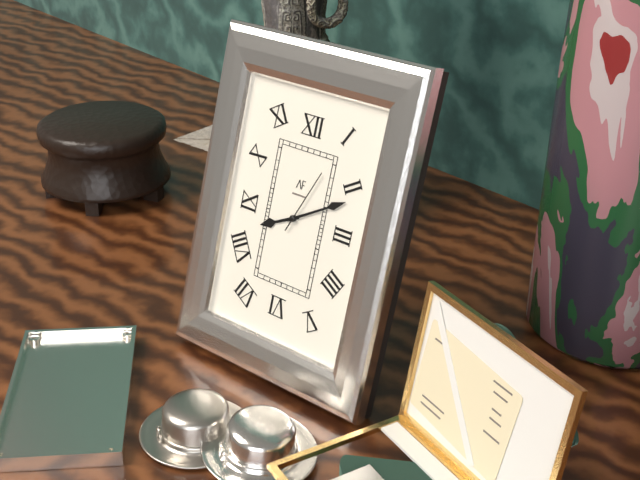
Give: 8h10m04s
